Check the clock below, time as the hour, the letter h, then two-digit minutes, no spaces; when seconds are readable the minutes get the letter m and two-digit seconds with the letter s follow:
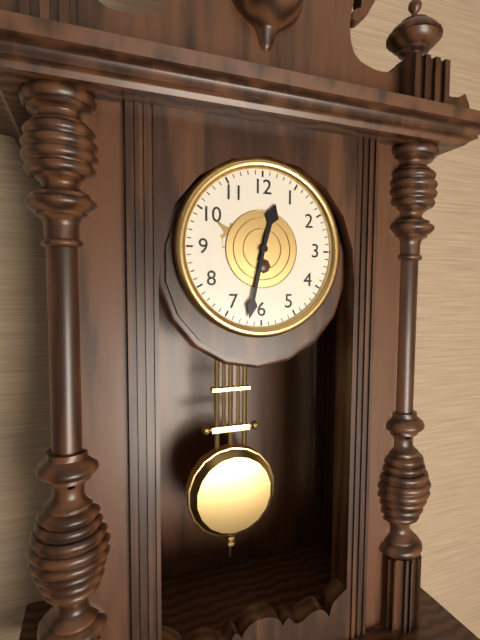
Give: 12h32
